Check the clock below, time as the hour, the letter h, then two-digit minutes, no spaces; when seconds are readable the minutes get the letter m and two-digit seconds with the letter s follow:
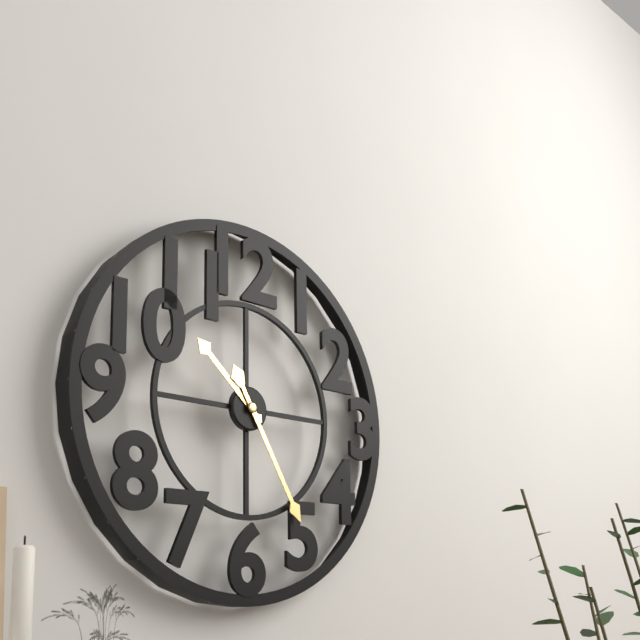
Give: 10h25
